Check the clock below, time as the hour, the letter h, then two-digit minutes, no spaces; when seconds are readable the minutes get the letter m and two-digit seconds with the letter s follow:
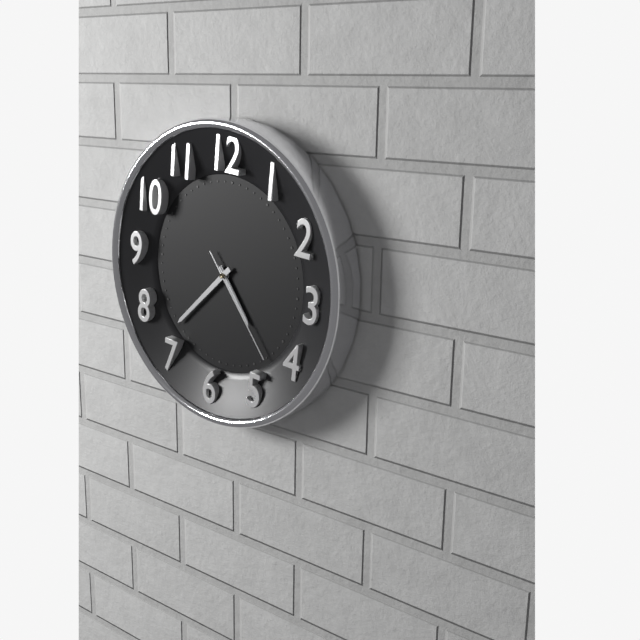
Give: 4h37m23s
